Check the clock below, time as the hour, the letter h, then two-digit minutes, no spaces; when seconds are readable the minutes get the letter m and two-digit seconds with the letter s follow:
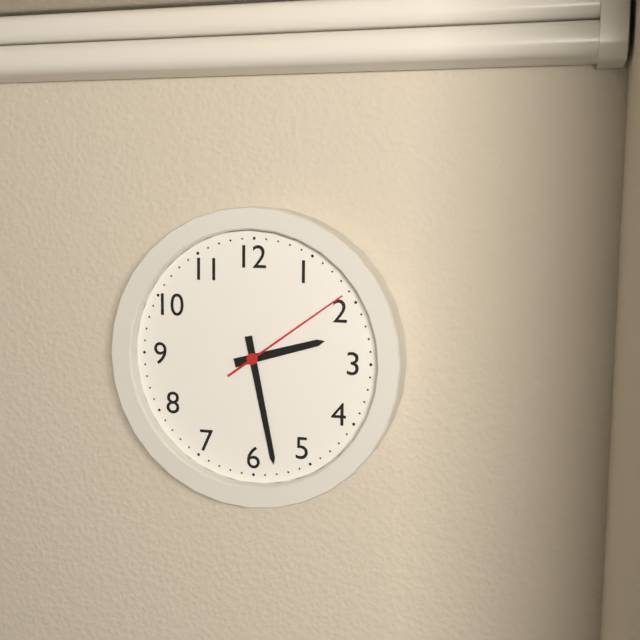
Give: 2h28m09s
